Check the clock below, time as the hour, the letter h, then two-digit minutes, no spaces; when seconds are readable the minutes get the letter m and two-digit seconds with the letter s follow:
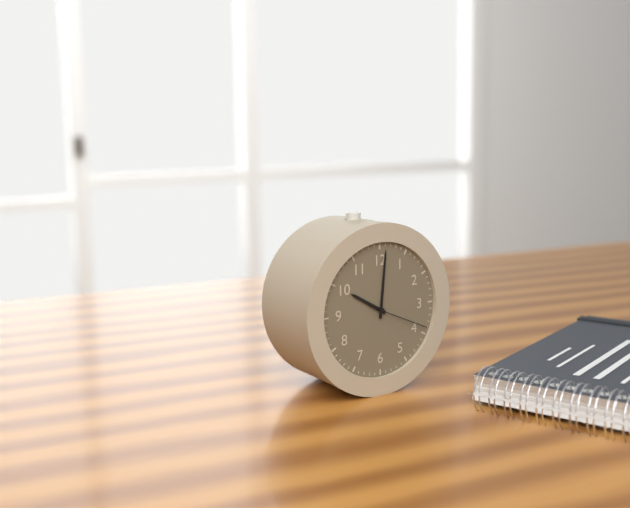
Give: 10h01m19s
